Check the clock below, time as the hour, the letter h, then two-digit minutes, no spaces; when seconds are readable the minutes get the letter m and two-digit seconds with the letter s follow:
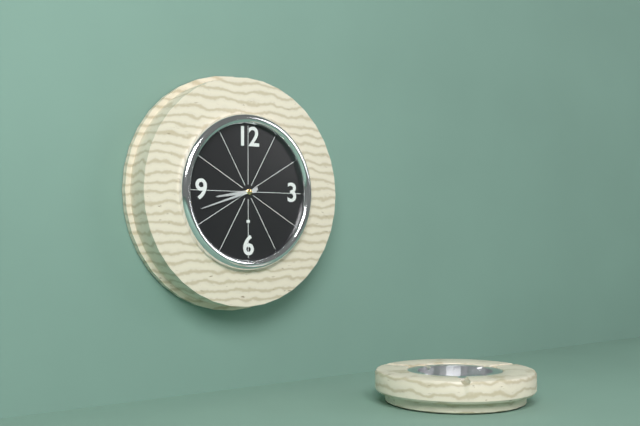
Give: 8h42
